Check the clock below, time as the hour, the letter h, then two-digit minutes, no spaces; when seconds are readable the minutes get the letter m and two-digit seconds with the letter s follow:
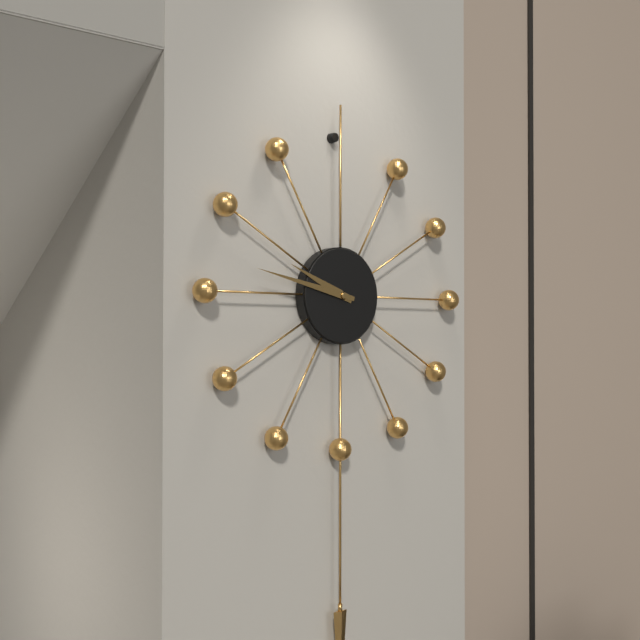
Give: 9h47
